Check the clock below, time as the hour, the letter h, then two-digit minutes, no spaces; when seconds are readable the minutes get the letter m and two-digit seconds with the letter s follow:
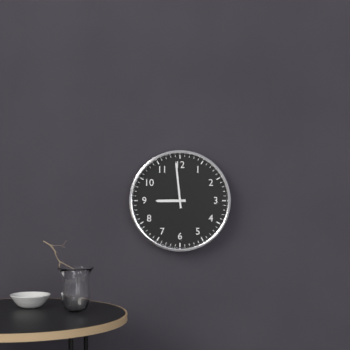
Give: 8h59
